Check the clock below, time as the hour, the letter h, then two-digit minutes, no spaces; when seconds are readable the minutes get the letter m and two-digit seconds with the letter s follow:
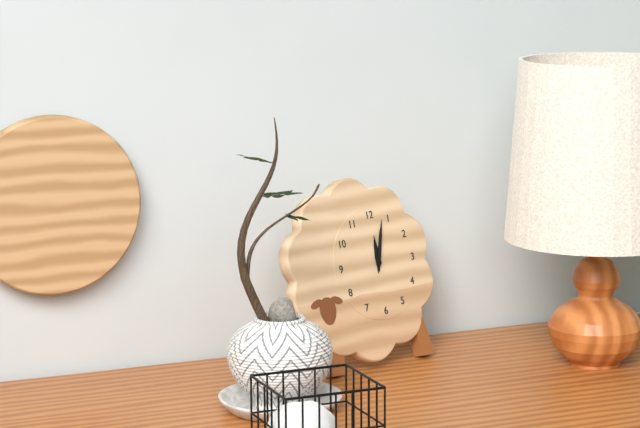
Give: 12h03
